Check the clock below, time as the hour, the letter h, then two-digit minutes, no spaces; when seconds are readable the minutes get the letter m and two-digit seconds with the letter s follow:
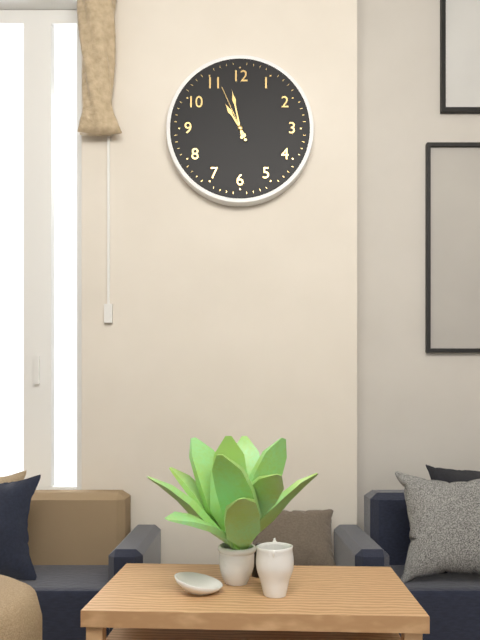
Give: 10h58m56s
